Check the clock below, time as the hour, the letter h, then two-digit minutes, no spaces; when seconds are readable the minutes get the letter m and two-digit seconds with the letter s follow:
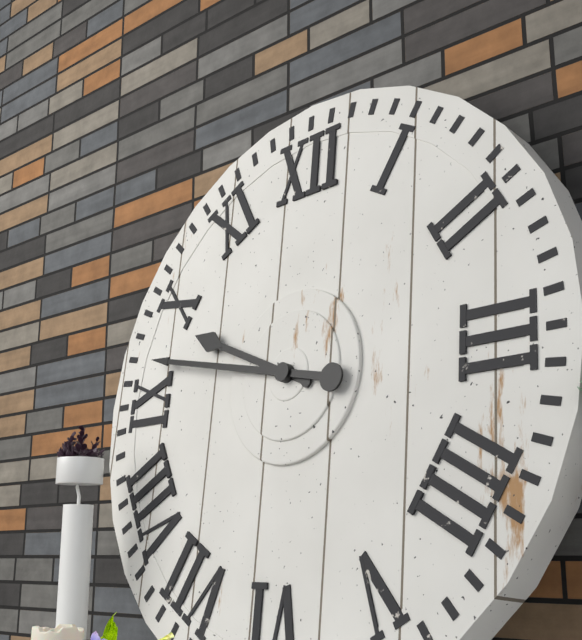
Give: 9h47
